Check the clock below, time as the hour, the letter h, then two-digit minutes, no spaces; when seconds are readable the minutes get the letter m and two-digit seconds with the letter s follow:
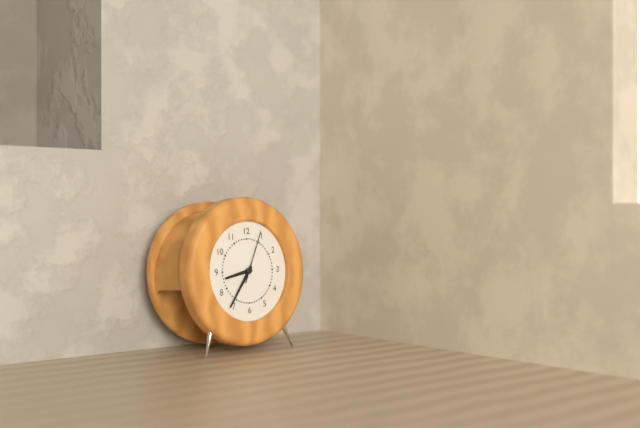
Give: 8h36m04s
